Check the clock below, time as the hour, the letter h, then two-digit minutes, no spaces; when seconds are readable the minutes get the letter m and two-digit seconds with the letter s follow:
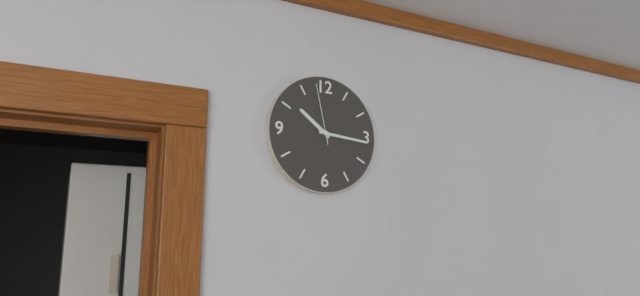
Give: 10h16m58s
